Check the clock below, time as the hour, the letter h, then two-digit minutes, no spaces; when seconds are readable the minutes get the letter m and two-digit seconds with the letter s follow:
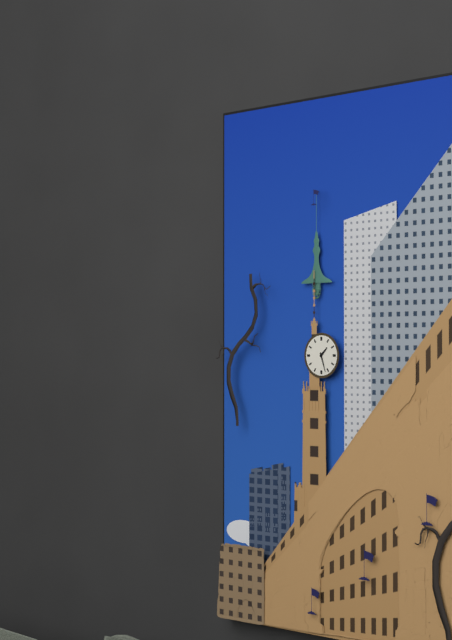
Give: 1h27
